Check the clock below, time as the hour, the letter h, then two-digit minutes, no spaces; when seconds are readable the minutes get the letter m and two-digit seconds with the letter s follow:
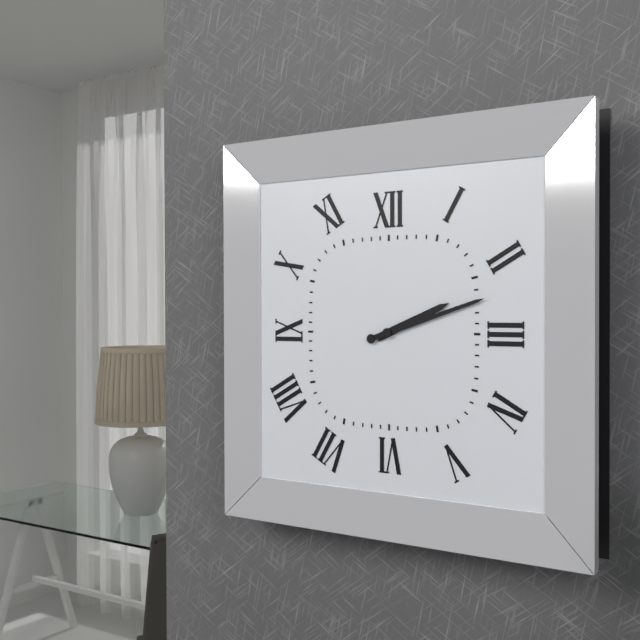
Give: 2h12
